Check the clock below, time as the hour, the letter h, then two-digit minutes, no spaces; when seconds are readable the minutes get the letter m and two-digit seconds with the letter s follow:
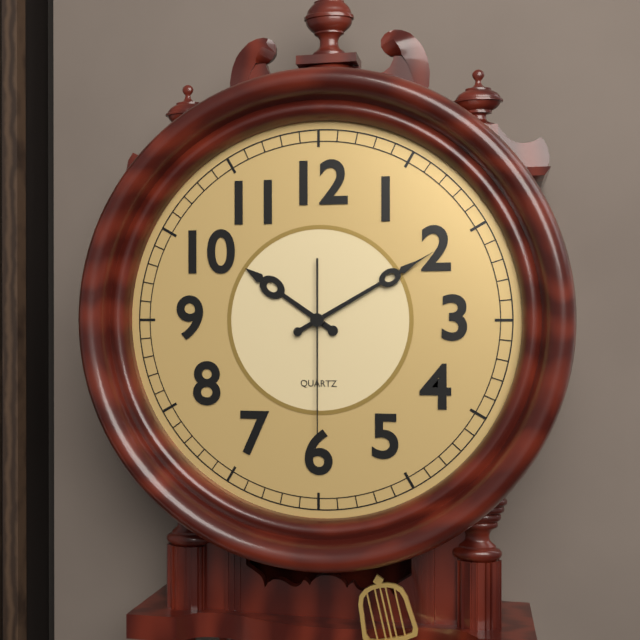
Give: 10h10m30s
